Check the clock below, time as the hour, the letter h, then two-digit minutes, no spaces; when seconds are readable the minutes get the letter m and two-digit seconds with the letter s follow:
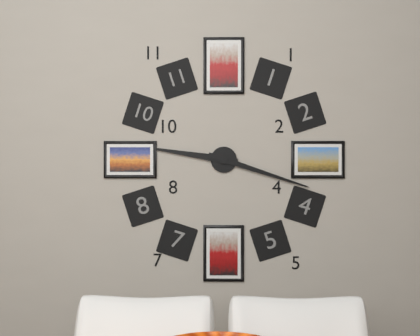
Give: 9h18
